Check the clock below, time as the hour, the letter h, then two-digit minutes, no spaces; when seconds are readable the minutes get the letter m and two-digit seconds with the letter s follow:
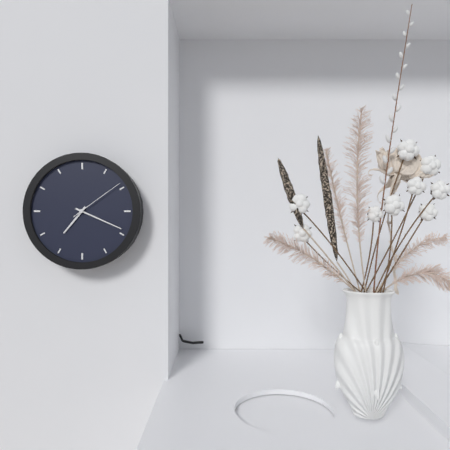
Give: 7h19m09s
